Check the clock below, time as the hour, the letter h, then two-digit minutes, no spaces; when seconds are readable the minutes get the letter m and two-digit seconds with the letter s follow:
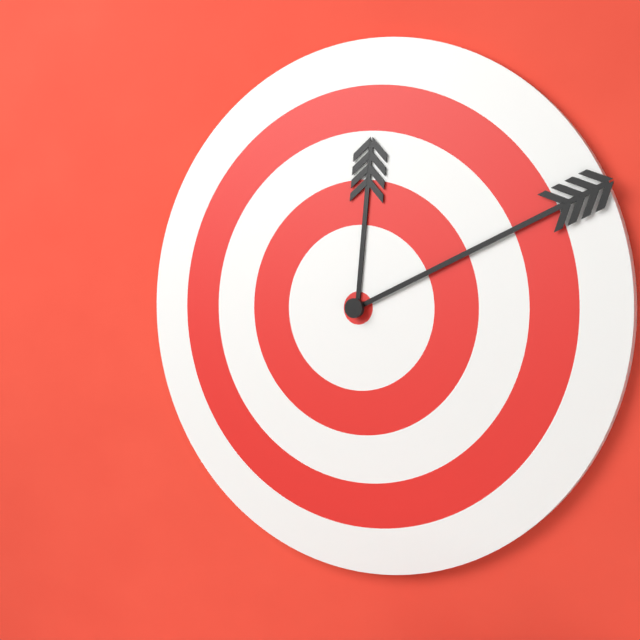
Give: 12h11
